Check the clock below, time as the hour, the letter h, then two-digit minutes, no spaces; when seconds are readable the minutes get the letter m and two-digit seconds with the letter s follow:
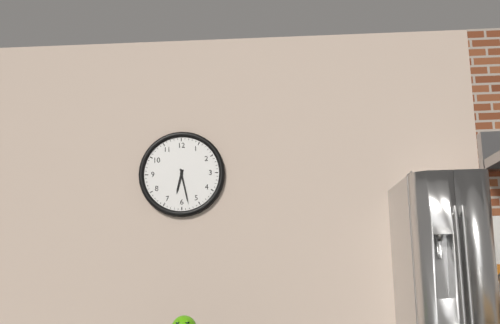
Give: 6h28
